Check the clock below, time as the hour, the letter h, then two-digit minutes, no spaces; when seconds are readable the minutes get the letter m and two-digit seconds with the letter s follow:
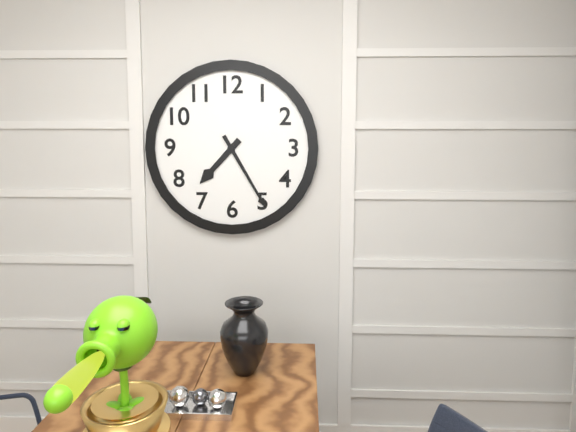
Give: 7h25
